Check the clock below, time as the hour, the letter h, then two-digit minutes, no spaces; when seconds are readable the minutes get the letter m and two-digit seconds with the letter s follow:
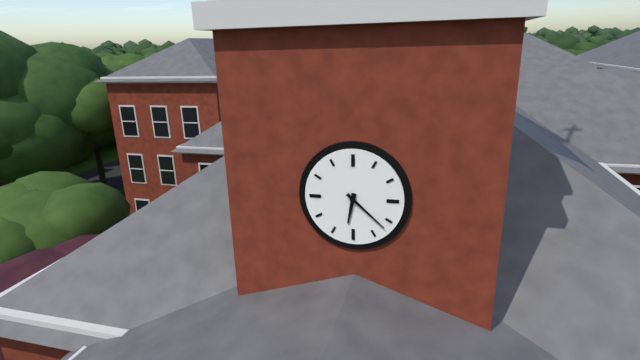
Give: 6h22
